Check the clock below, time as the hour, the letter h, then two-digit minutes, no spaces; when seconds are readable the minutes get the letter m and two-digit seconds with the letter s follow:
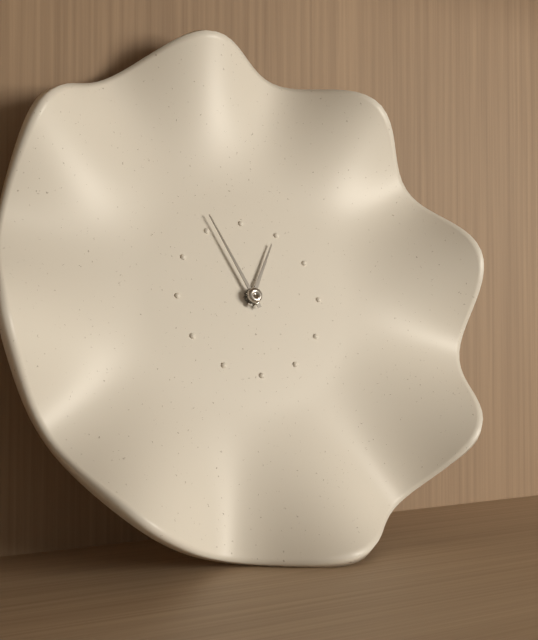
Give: 12h56
